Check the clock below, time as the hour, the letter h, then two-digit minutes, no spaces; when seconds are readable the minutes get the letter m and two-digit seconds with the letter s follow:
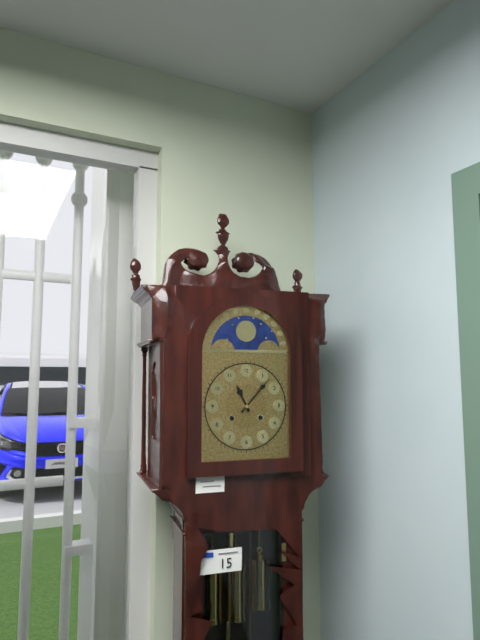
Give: 11h07
